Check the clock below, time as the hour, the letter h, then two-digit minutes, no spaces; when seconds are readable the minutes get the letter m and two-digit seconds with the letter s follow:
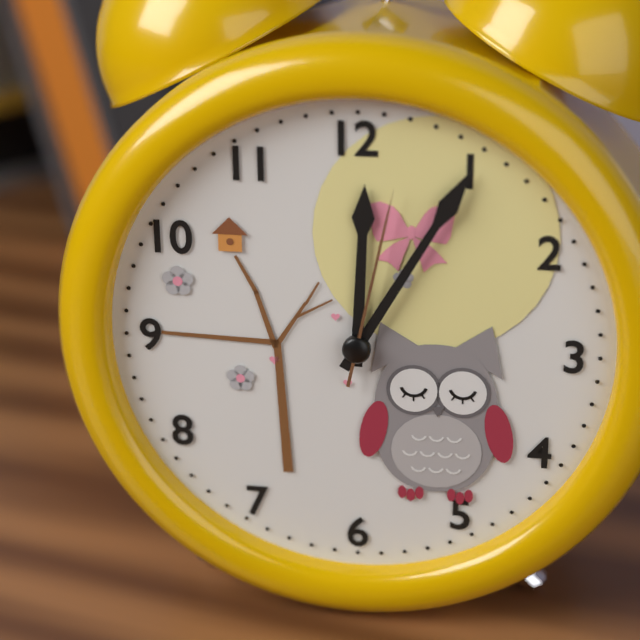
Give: 12h05m02s
